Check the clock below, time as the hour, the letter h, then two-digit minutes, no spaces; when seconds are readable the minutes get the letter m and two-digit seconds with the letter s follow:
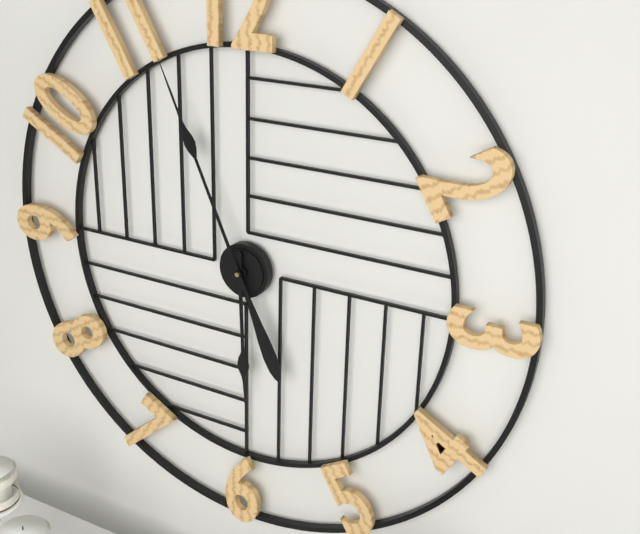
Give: 5h56
